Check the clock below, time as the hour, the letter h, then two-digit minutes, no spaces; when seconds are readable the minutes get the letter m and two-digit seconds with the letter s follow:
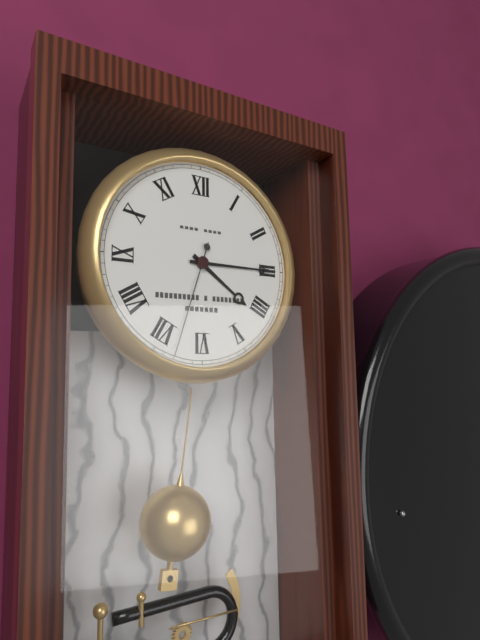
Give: 4h15m33s
